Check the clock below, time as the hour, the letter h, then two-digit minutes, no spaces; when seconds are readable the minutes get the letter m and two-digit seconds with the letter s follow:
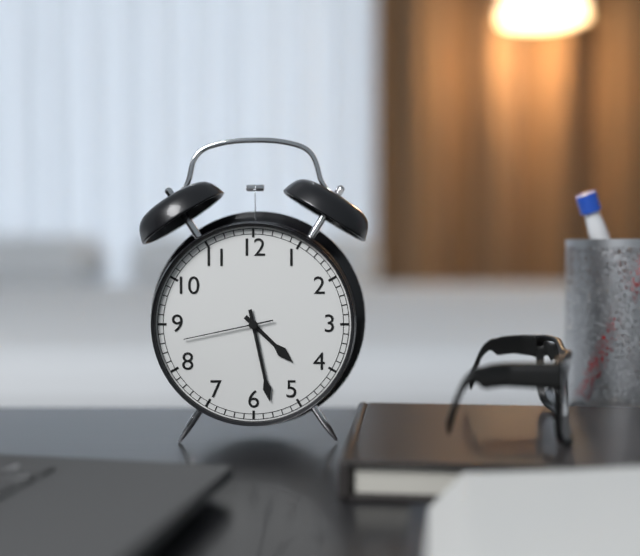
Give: 4h28m43s
